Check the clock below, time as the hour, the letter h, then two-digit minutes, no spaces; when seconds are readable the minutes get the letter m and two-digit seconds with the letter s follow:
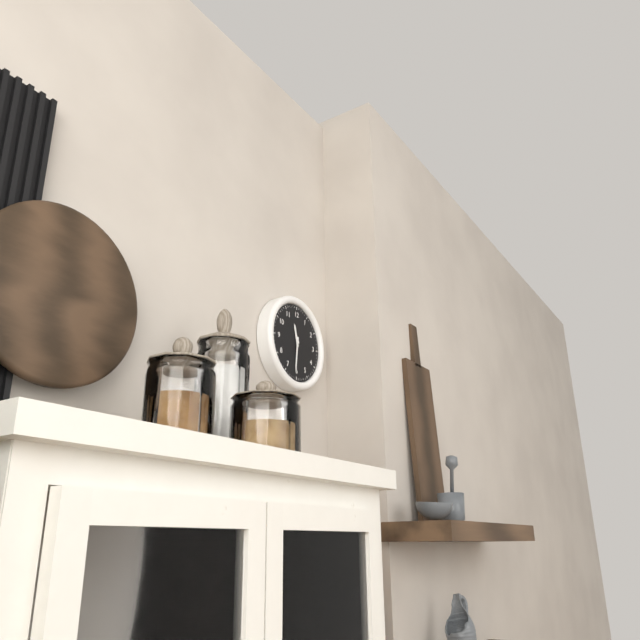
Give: 11h31
